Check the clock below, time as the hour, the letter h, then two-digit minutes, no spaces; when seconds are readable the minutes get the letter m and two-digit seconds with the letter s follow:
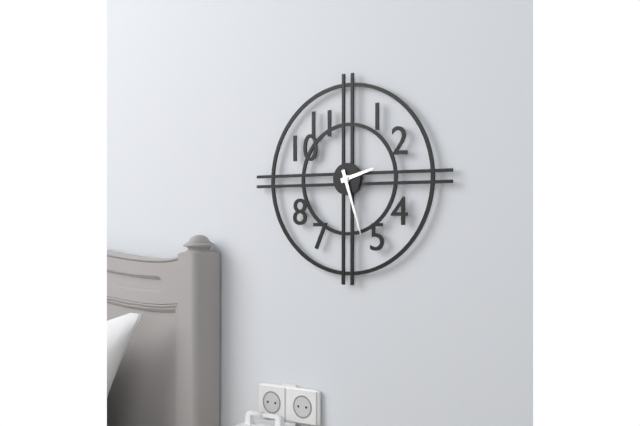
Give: 2h27
